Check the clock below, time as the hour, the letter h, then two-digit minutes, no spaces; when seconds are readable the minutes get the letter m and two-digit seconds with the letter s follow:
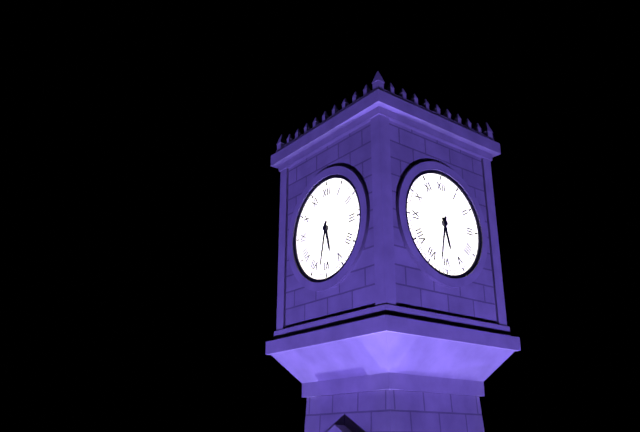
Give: 5h32
